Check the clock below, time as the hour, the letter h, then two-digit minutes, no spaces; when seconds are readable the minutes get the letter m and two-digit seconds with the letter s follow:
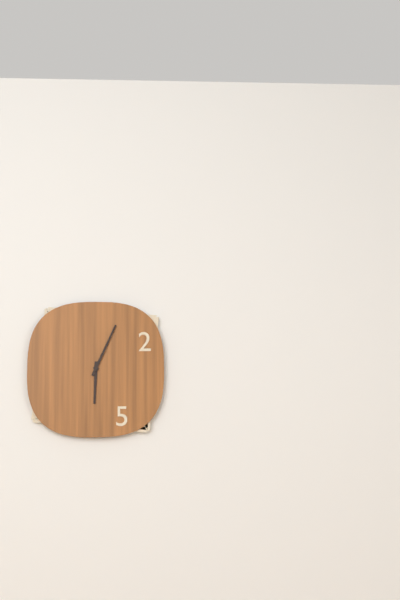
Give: 6h04
